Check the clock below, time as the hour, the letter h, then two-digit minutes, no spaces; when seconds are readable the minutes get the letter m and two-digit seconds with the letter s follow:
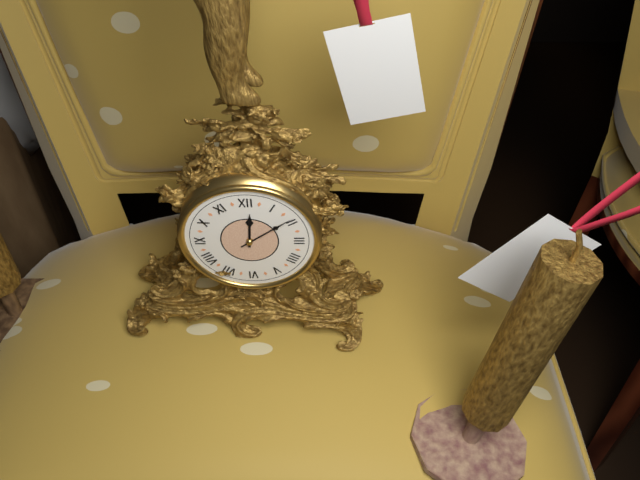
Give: 12h09
